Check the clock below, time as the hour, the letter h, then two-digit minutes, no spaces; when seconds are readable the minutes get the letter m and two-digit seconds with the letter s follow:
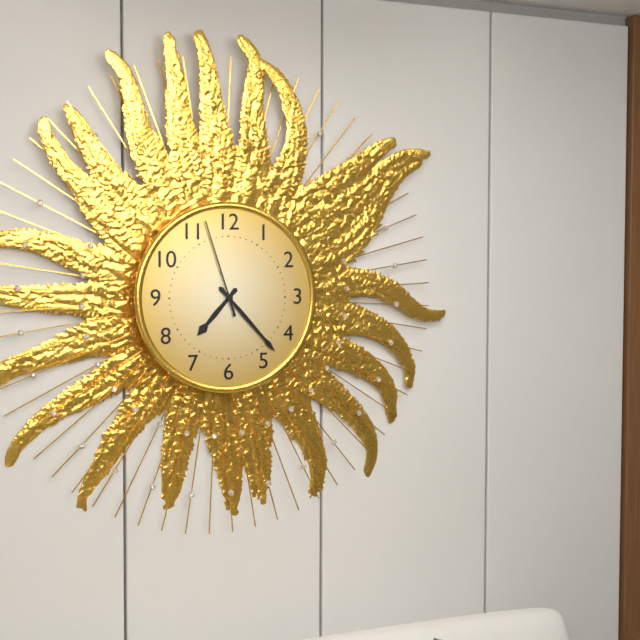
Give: 7h23m57s
